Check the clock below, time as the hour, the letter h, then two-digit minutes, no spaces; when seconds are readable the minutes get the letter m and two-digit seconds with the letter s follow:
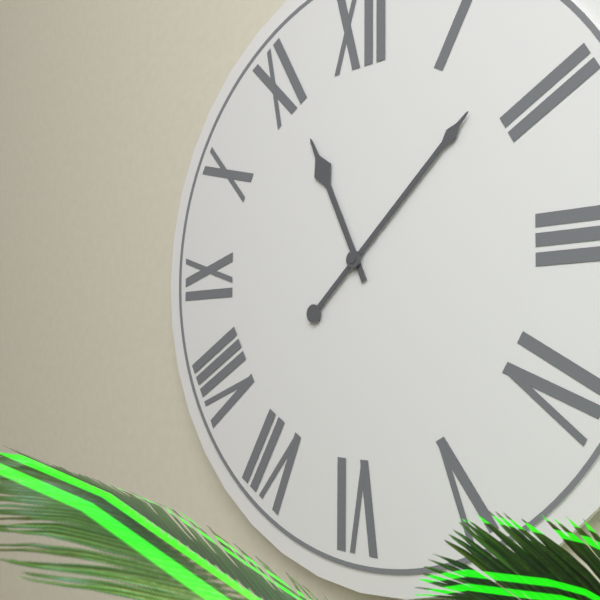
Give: 11h08
